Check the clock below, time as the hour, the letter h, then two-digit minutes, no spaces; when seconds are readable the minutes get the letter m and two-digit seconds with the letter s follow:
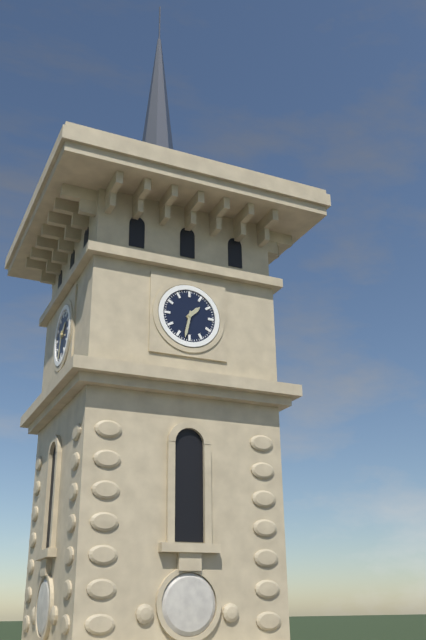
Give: 1h32
